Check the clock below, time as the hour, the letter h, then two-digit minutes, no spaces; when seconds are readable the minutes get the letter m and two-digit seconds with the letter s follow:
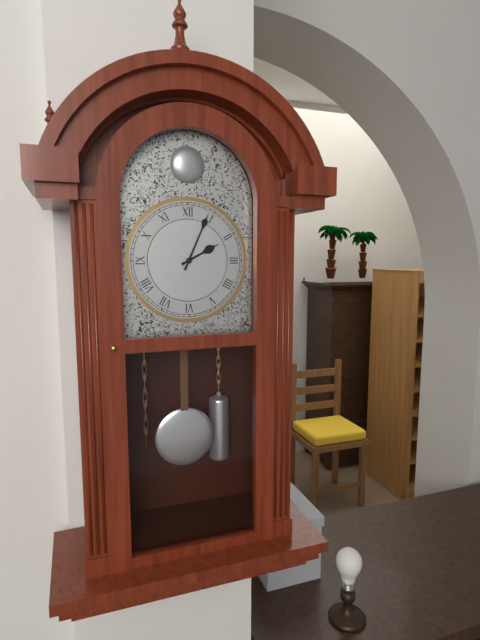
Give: 2h04
